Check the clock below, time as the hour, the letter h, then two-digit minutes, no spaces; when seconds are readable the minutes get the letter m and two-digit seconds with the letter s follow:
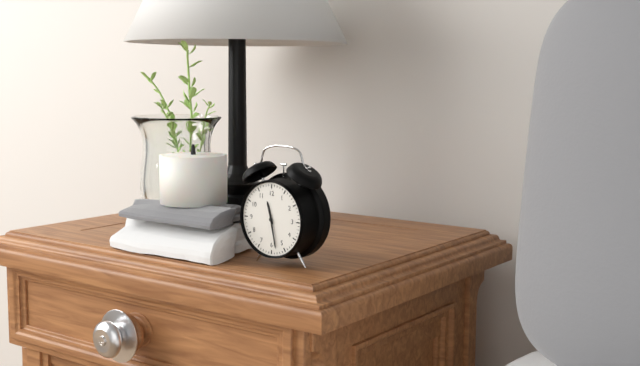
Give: 11h28
